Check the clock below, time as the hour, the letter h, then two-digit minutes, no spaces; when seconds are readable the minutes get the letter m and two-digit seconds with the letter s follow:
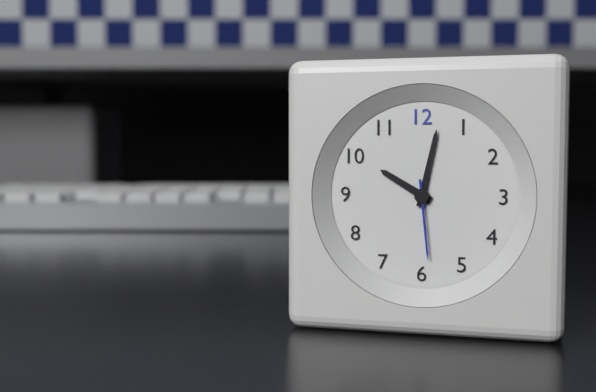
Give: 10h02m29s
